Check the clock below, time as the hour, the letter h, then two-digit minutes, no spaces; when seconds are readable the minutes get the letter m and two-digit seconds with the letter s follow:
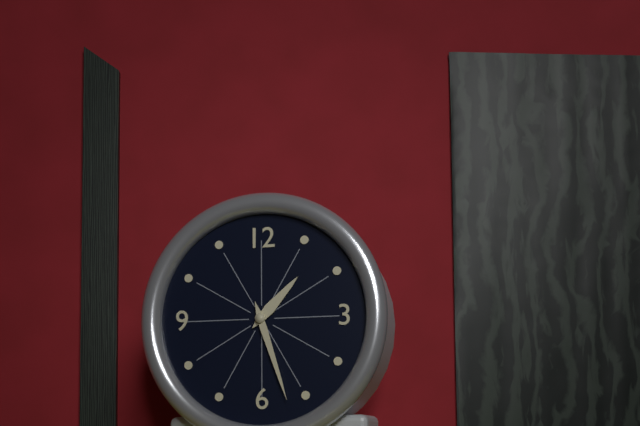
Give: 1h27
